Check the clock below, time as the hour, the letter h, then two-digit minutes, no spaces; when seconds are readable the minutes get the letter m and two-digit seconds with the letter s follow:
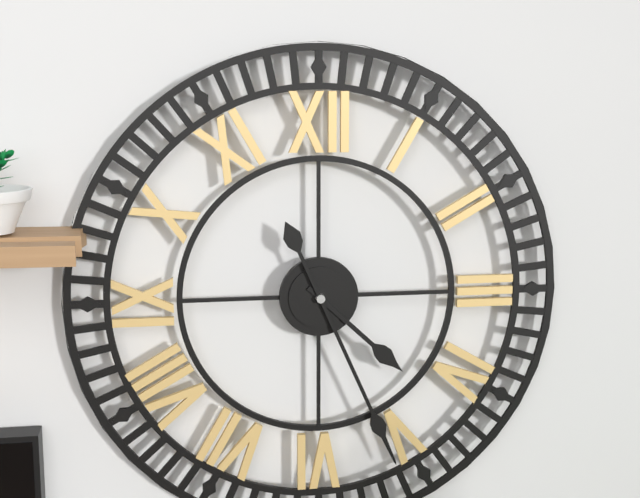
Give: 4h26
